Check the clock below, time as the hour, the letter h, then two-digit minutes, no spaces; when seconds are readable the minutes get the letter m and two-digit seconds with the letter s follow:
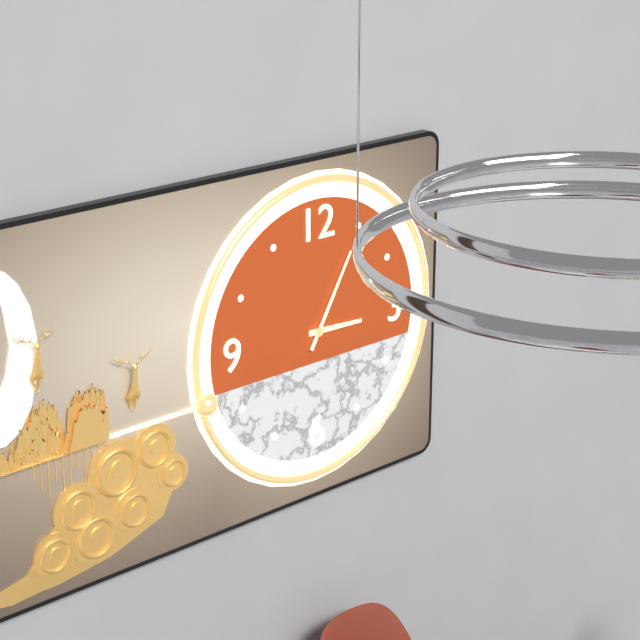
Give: 3h05
